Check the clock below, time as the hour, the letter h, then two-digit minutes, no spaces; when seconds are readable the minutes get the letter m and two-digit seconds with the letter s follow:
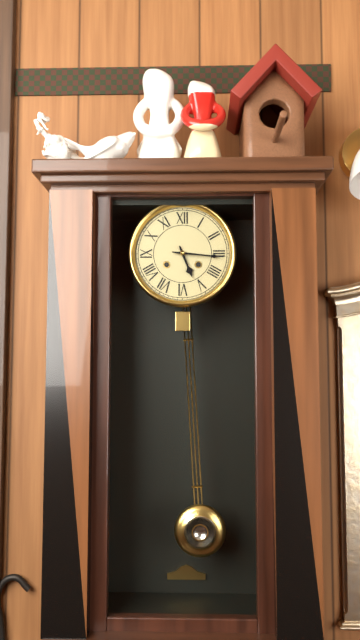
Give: 5h16
